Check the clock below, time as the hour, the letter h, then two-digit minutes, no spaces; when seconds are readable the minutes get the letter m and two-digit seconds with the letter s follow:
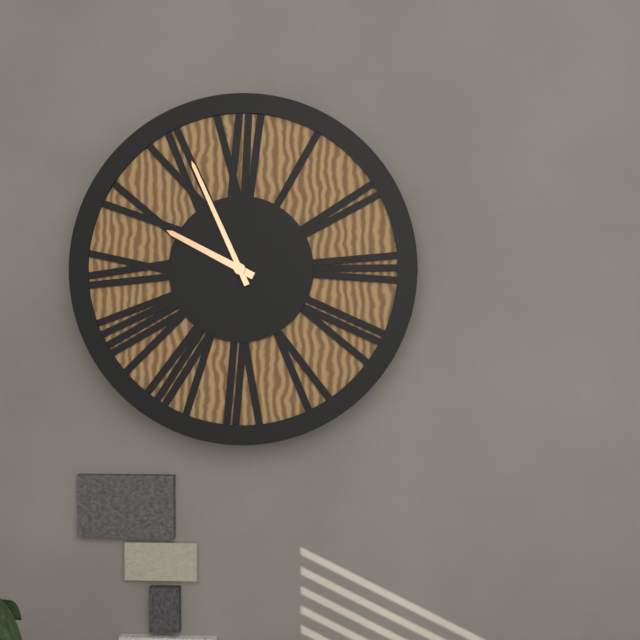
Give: 9h56
